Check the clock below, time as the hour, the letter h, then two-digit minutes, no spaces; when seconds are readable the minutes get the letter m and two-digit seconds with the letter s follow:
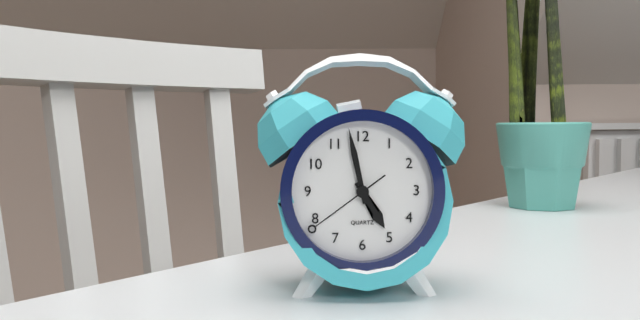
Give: 4h58m39s
